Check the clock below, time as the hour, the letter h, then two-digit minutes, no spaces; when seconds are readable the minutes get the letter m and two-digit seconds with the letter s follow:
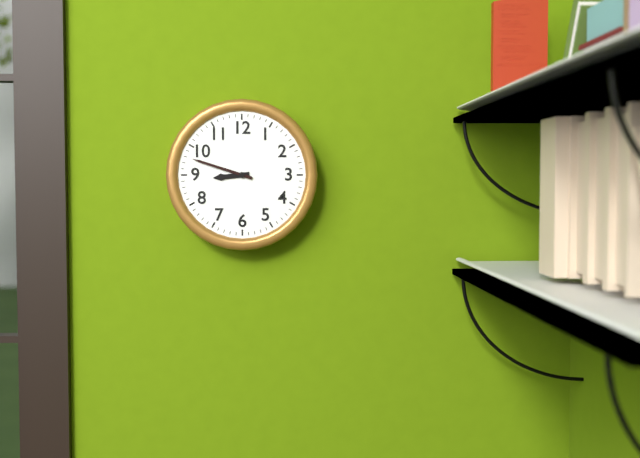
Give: 8h48
